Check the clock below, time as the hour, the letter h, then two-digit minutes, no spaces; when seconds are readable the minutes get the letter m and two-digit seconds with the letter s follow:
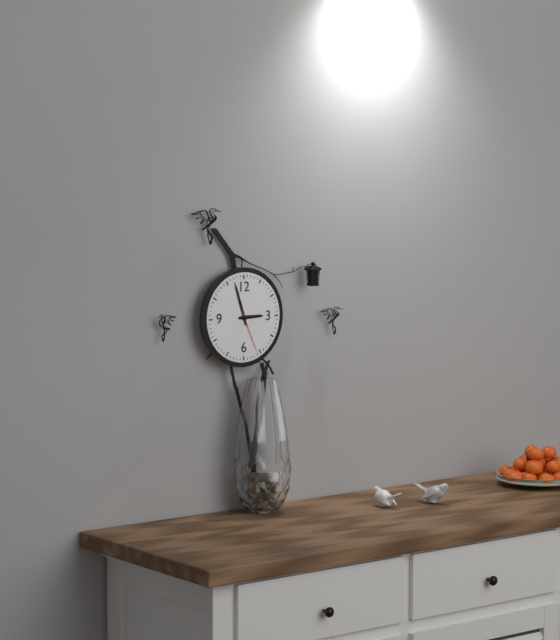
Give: 2h57
